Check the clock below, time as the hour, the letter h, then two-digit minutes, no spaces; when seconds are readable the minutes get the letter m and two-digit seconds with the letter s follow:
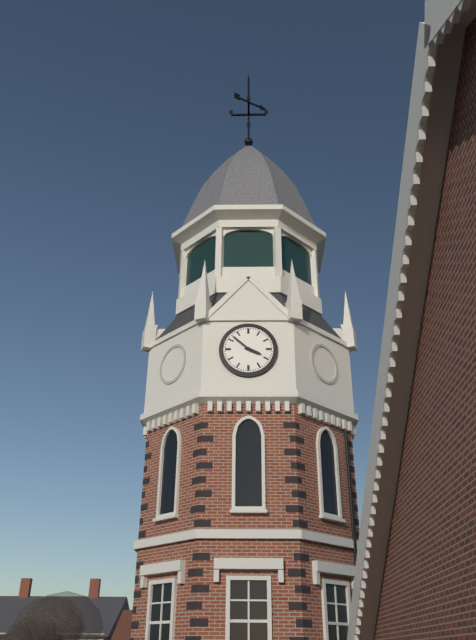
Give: 3h52
